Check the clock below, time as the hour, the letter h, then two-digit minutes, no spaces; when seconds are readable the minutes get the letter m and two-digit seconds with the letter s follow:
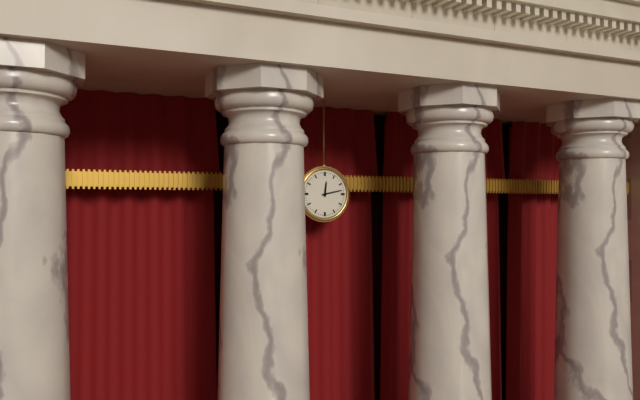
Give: 12h13
